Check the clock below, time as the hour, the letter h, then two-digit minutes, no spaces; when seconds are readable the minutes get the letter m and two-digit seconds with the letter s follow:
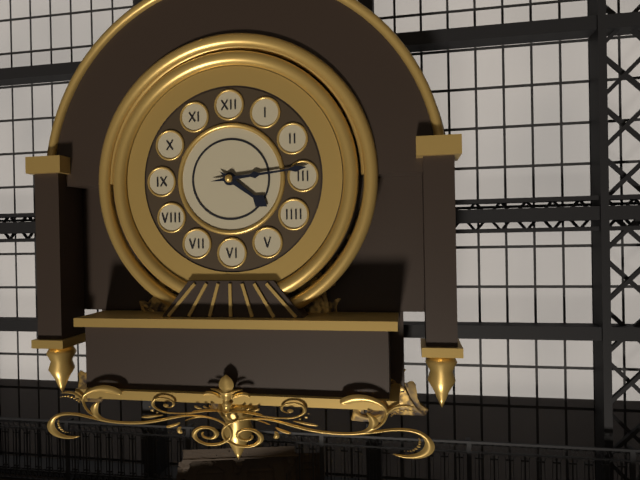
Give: 4h14
